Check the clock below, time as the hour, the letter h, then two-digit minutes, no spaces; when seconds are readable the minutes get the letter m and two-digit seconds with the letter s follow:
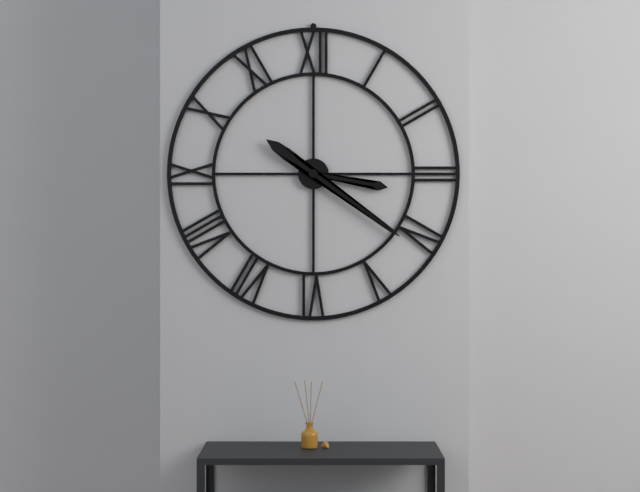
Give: 3h21
